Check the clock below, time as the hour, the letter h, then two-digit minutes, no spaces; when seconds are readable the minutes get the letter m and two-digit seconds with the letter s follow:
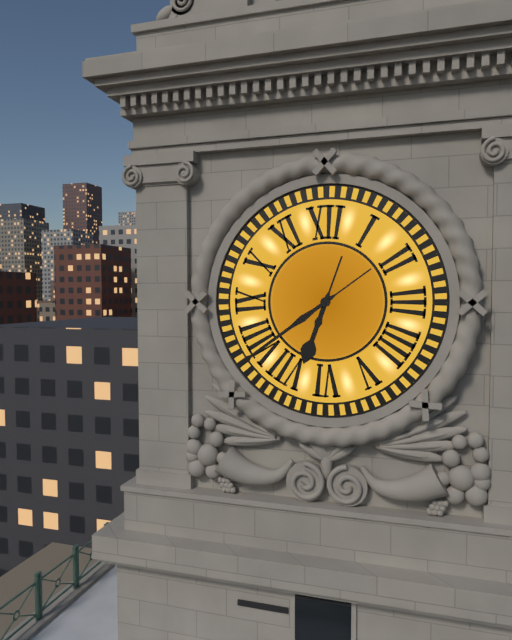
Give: 6h39
